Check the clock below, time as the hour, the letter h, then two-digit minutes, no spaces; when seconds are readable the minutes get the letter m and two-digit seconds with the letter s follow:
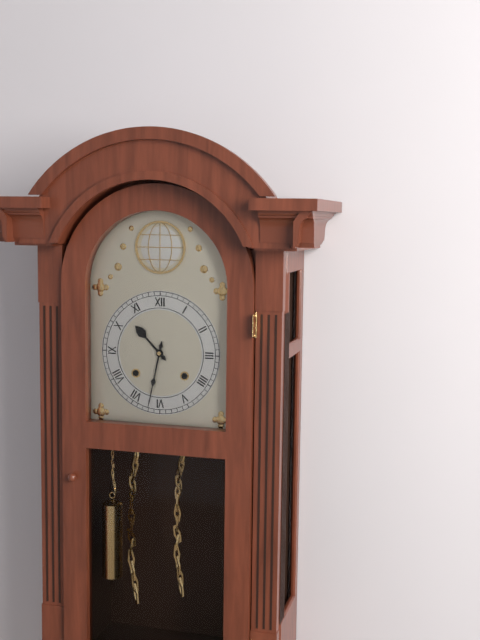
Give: 10h32
